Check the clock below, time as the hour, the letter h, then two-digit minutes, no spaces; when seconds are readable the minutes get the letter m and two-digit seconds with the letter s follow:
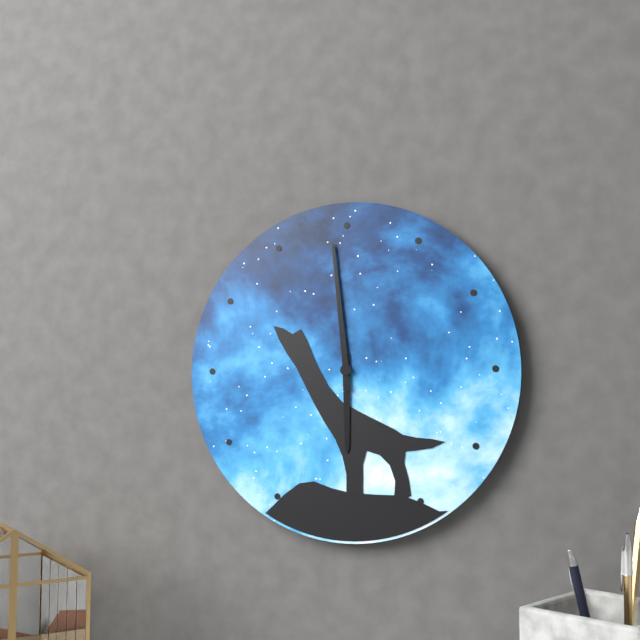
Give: 5h59
